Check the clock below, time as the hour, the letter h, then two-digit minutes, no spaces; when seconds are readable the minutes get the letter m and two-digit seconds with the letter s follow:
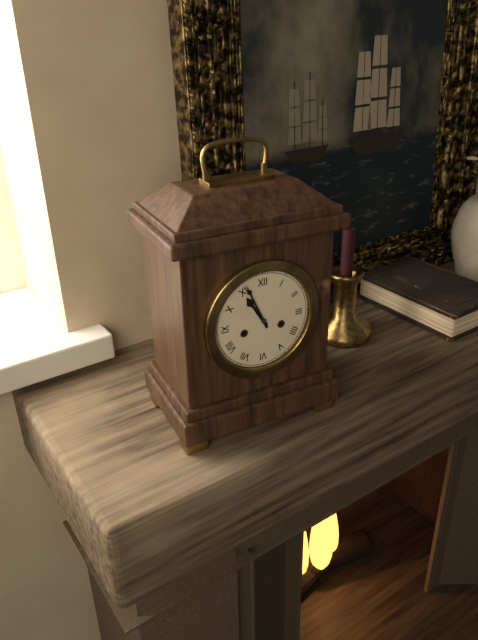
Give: 10h56
